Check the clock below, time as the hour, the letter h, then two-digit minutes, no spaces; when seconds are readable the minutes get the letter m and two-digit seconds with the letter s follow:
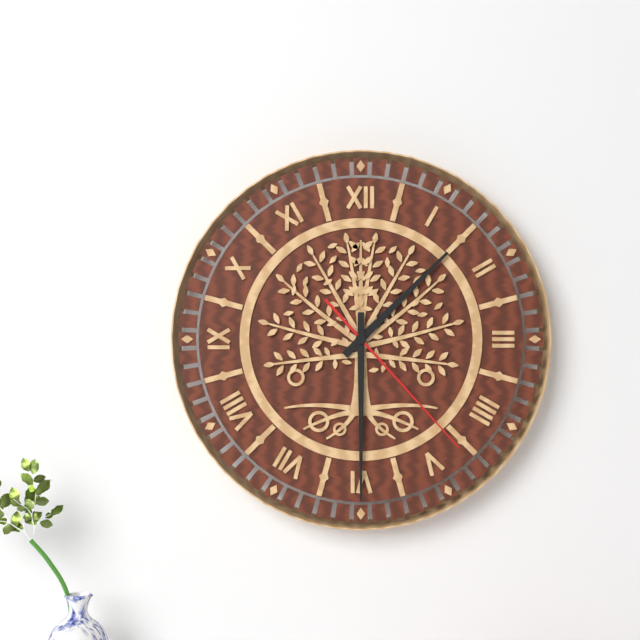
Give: 1h30m23s
